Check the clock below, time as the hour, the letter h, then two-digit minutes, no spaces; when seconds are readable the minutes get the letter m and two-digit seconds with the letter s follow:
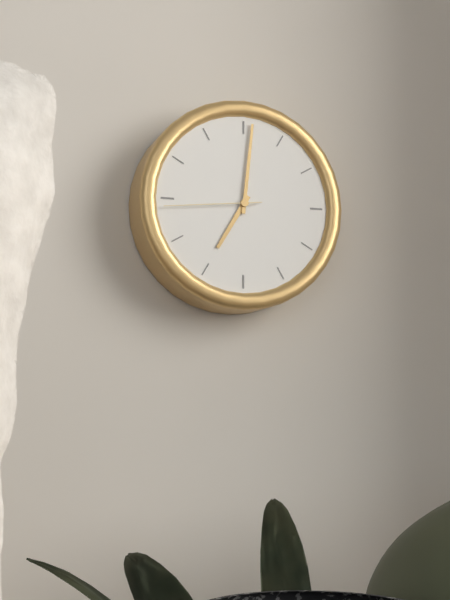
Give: 7h01m44s
